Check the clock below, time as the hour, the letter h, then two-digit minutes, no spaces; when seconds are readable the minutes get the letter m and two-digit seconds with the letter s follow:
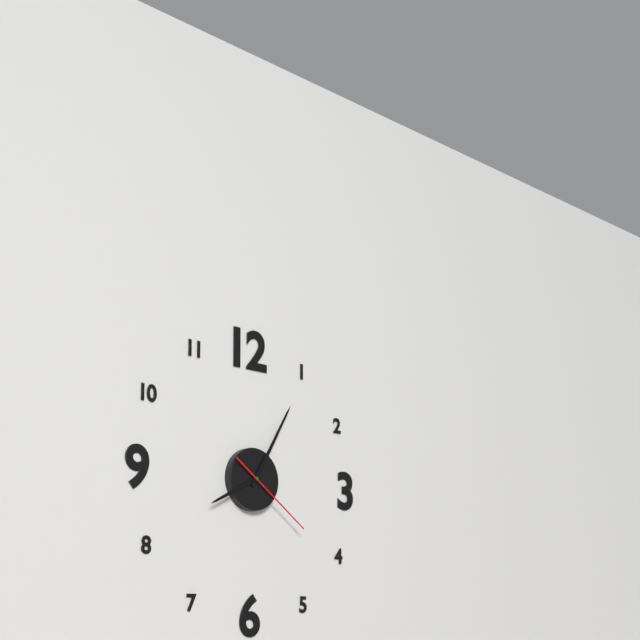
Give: 8h05m21s
